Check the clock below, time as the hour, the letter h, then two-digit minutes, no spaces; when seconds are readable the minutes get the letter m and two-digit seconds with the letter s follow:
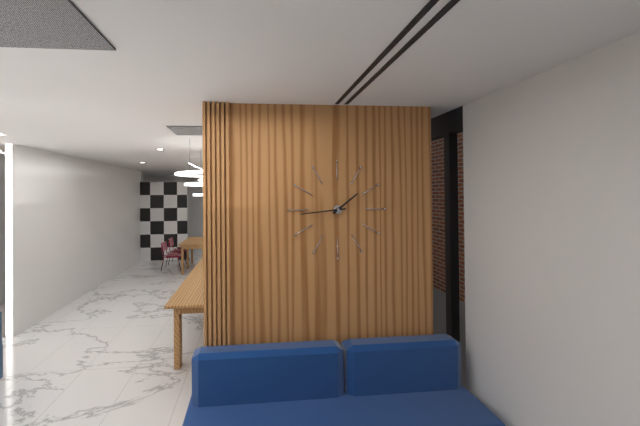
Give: 1h44
